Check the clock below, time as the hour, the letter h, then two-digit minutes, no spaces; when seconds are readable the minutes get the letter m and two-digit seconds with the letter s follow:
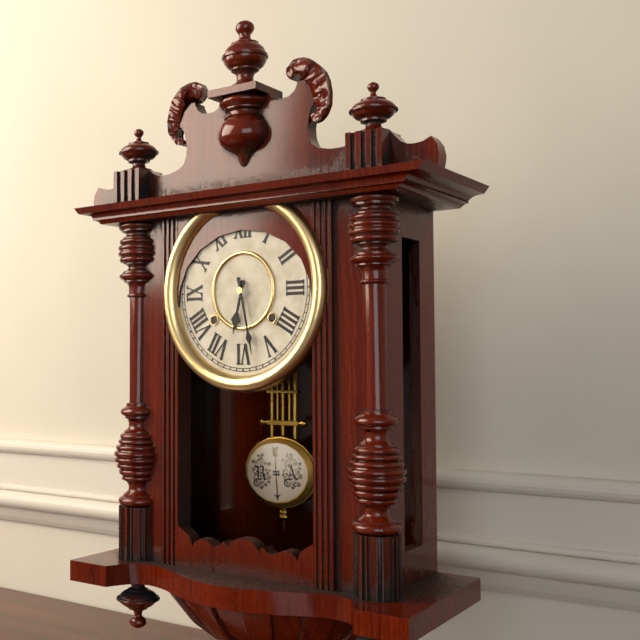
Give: 6h28
